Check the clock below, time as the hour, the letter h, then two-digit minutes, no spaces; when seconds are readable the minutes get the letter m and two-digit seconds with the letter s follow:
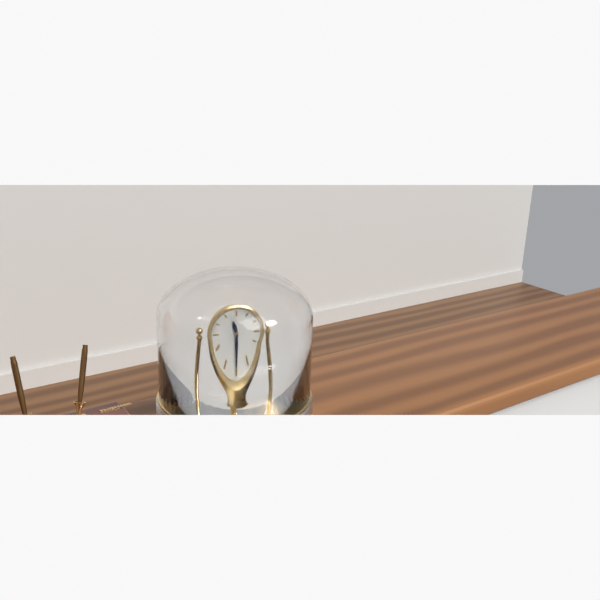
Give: 11h30
